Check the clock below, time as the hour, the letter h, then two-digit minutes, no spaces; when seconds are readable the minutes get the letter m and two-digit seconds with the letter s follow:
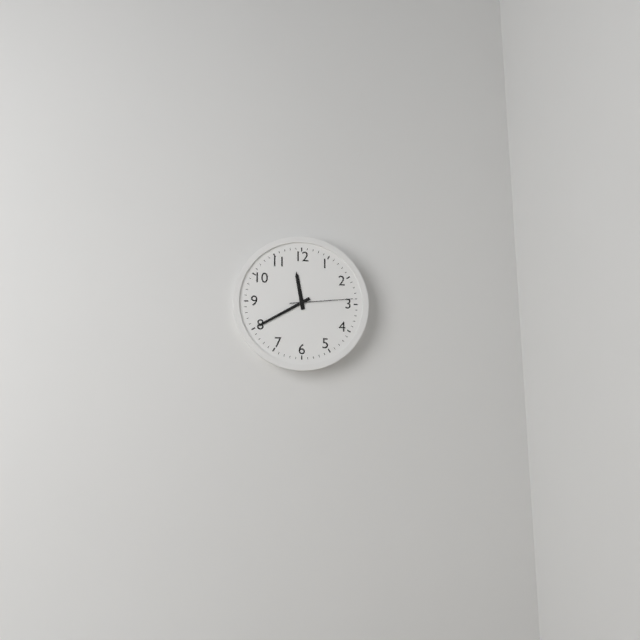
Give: 11h40m14s
